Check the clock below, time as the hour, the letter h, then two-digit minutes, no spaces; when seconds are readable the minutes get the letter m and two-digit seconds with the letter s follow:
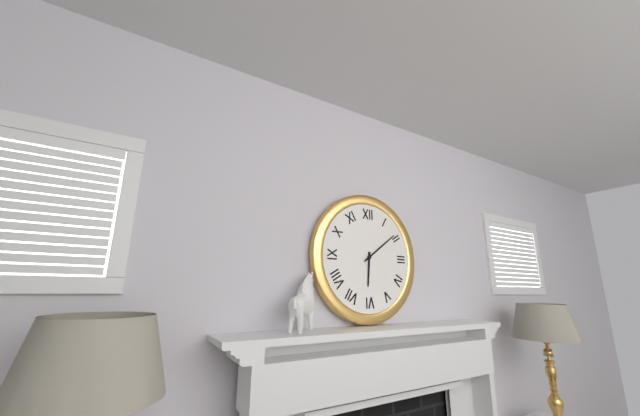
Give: 6h09
